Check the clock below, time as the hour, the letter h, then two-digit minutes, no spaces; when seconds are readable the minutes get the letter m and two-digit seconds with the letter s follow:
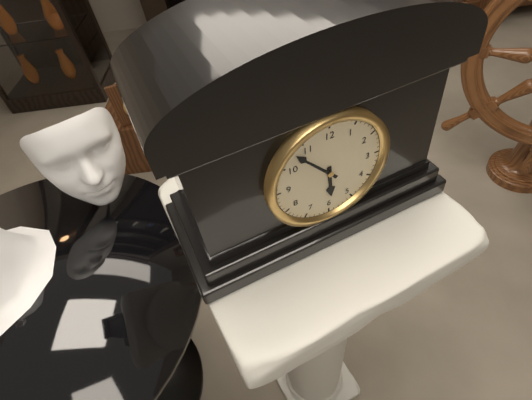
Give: 5h53
